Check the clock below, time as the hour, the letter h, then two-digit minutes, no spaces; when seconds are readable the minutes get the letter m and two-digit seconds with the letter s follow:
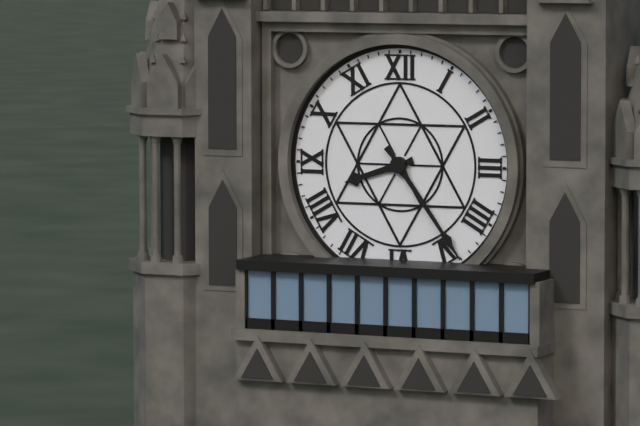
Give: 8h24
